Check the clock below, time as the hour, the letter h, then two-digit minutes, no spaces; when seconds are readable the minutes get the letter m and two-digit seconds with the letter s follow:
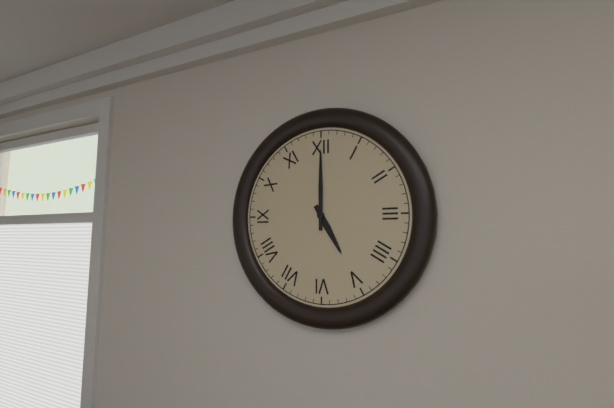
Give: 5h00
